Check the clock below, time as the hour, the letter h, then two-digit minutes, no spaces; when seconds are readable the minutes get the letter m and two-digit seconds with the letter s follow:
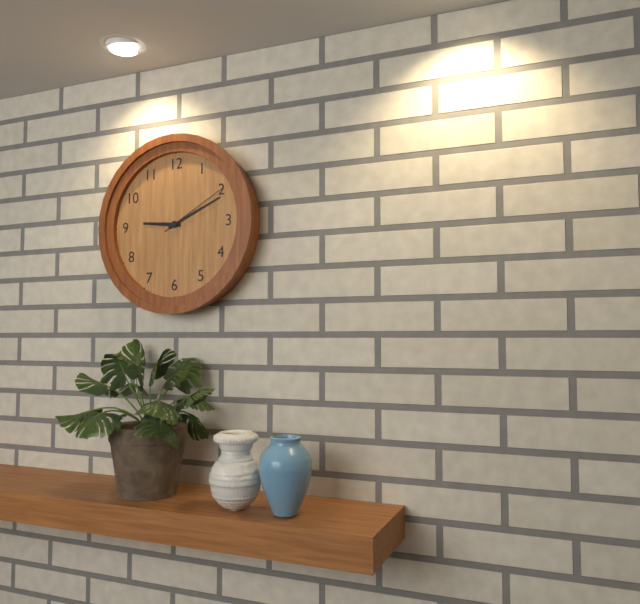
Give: 9h11m10s
